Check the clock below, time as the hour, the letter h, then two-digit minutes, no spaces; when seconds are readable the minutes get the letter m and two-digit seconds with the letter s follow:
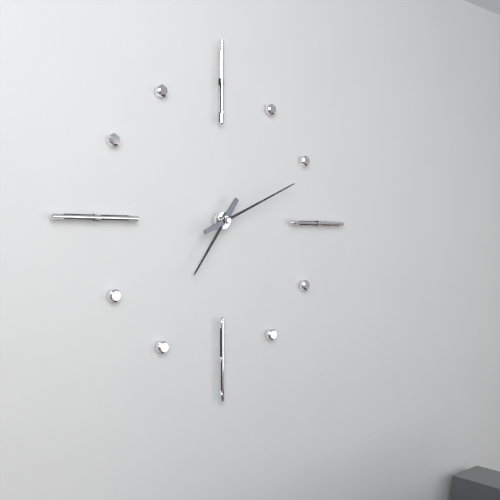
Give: 7h11
